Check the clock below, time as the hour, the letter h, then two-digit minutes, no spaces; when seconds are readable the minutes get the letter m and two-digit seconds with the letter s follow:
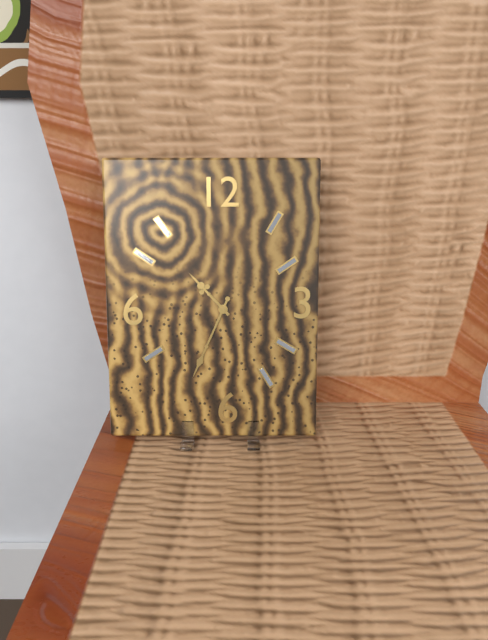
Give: 10h34
